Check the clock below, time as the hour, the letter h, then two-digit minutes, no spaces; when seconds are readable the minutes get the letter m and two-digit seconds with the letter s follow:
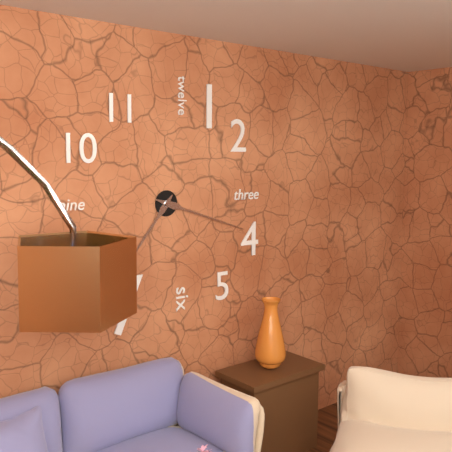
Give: 7h18
